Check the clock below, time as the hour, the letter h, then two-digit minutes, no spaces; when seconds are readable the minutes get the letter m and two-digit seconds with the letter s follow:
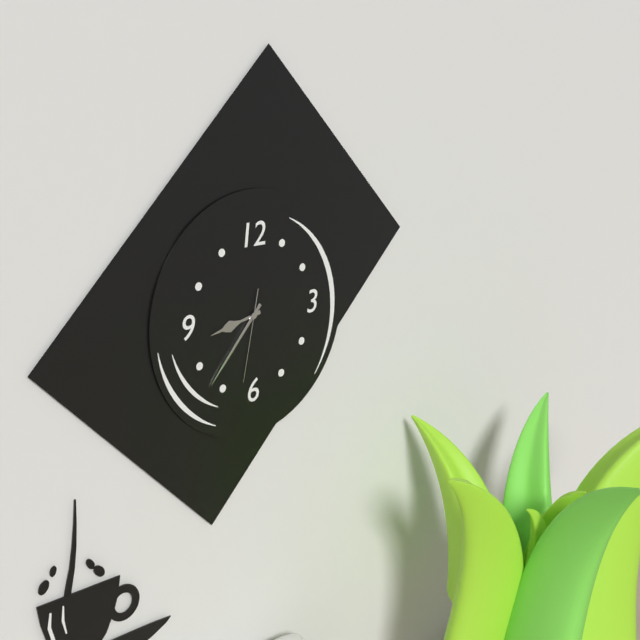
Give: 8h37m32s
